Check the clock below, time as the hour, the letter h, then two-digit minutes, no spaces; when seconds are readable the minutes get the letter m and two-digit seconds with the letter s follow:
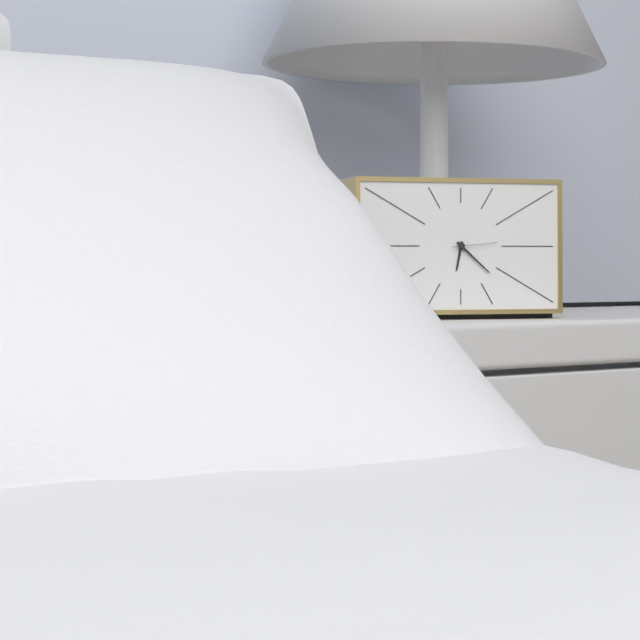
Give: 6h22
